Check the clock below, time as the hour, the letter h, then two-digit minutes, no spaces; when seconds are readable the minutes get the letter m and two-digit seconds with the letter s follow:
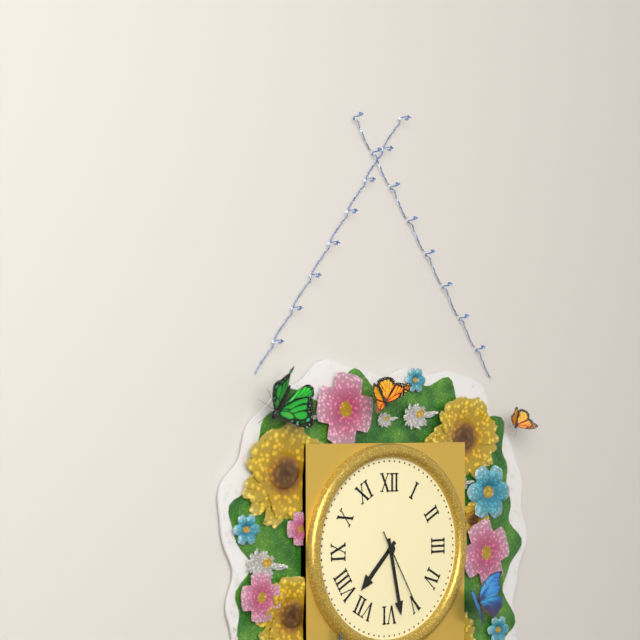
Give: 7h28m25s
